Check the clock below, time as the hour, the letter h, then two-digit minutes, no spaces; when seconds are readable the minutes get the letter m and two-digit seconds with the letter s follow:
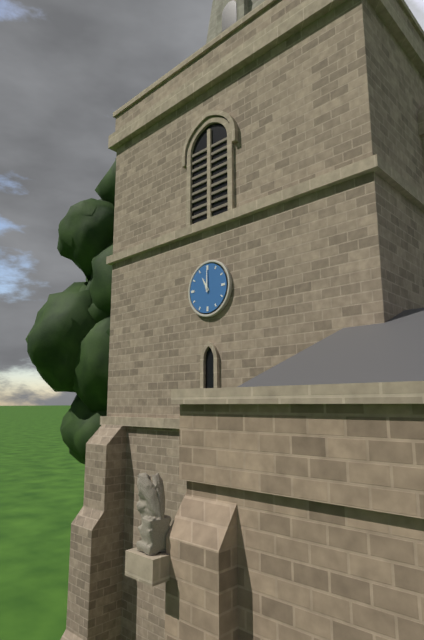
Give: 11h00
